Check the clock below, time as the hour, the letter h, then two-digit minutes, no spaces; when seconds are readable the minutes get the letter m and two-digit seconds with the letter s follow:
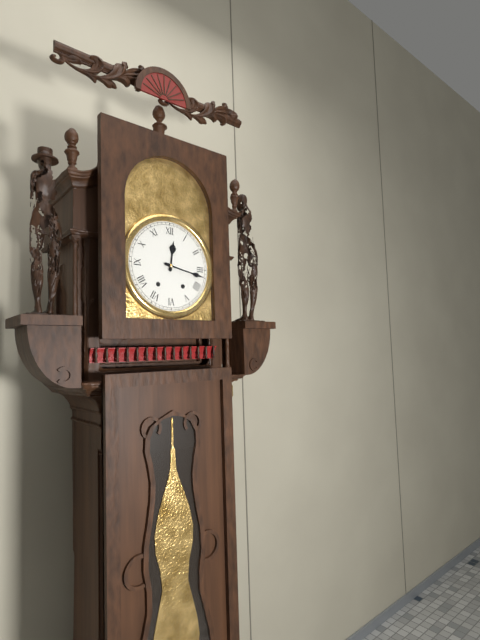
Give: 12h17
